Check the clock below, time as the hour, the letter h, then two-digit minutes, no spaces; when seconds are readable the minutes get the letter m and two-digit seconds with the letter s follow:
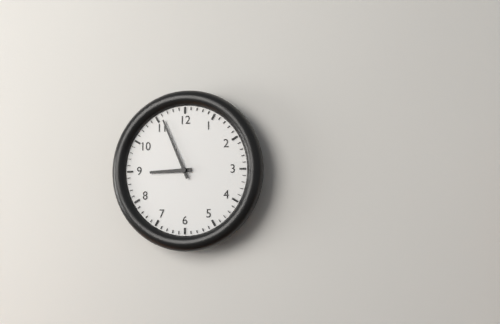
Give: 8h56
